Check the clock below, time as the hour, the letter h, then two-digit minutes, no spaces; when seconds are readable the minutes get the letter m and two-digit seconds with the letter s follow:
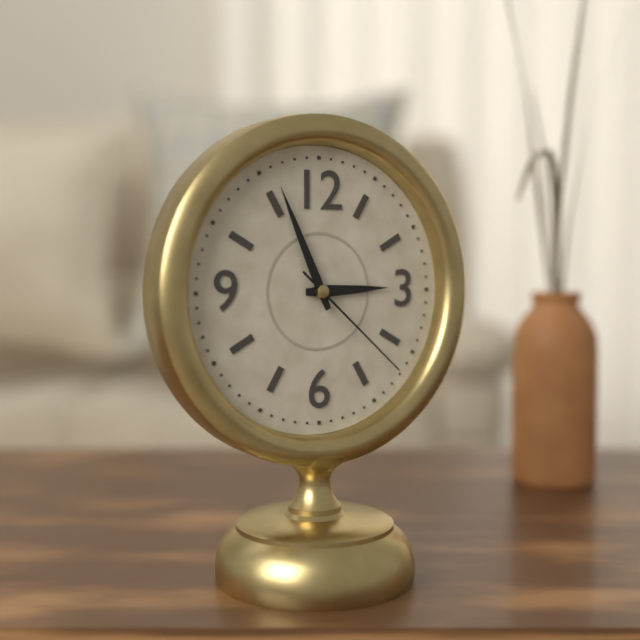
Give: 2h56m22s
